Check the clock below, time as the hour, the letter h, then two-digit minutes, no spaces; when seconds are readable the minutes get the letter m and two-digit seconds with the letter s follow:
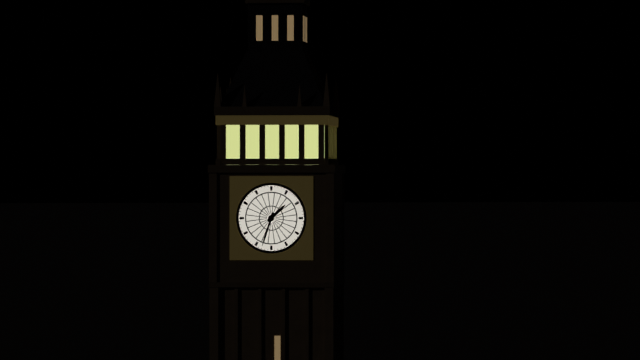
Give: 1h33
